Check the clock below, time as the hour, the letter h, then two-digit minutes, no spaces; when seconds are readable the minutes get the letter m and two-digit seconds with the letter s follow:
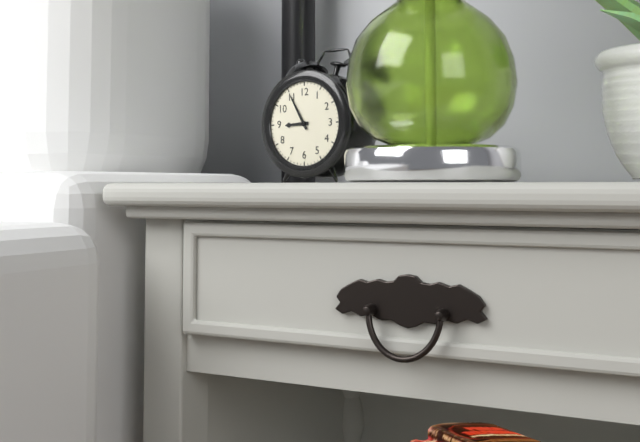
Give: 8h55
